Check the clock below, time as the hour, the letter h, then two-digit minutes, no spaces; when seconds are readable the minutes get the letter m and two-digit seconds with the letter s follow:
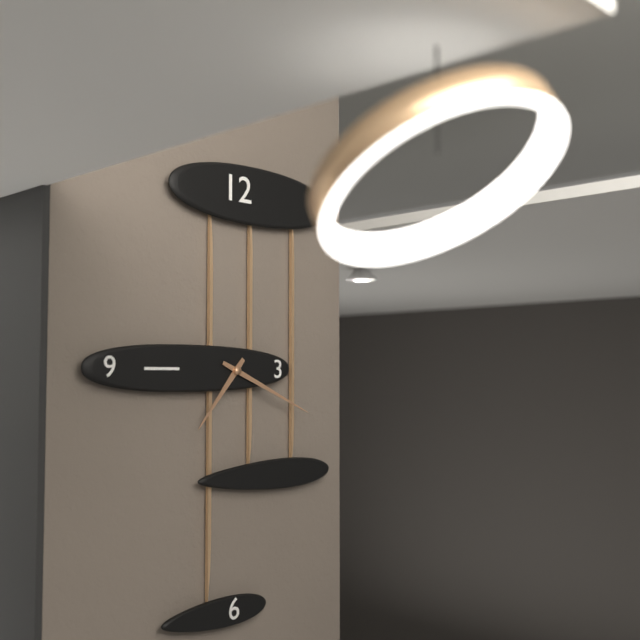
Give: 7h19
